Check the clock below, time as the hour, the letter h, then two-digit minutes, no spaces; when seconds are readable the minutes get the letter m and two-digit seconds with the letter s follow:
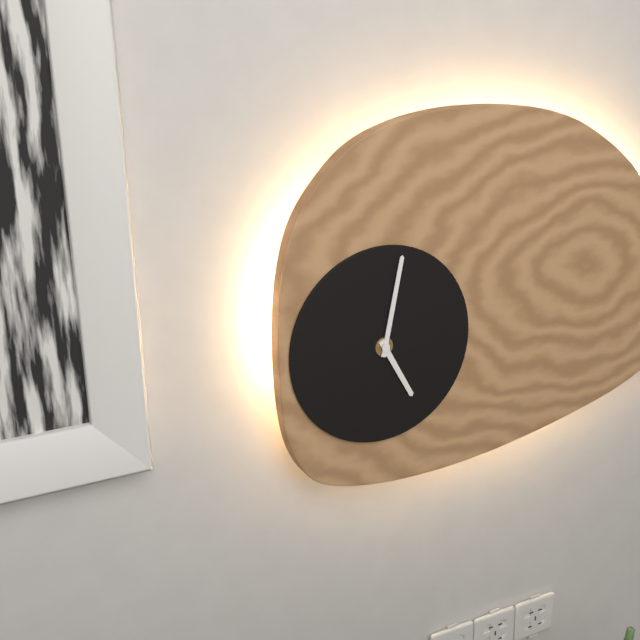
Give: 5h02
